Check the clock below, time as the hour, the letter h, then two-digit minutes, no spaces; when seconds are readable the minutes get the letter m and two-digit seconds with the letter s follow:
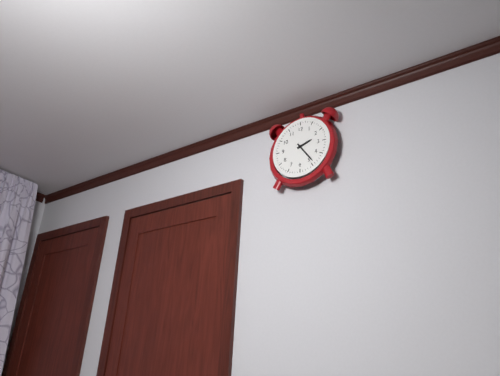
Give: 2h24
